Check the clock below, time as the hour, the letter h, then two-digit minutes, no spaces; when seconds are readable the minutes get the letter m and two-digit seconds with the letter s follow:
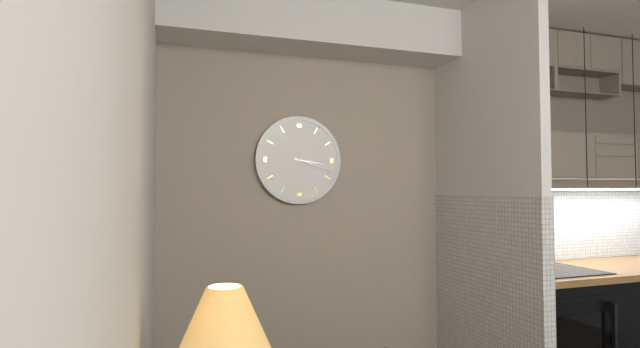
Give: 3h18
